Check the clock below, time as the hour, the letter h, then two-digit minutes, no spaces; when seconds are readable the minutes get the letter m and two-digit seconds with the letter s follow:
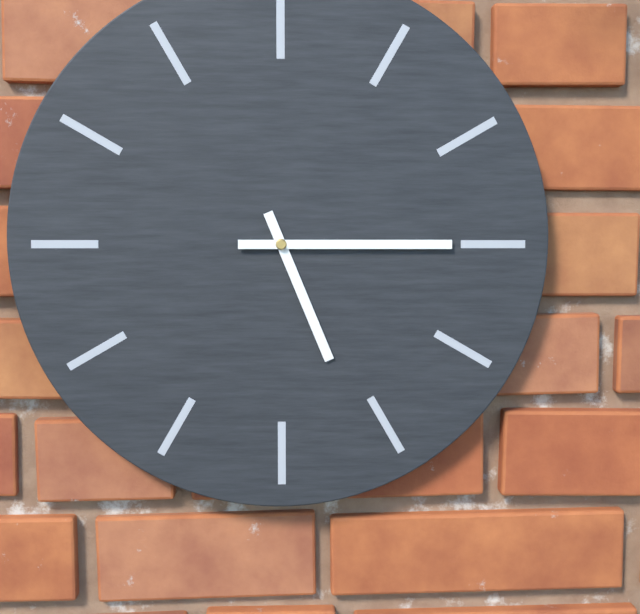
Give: 5h15
